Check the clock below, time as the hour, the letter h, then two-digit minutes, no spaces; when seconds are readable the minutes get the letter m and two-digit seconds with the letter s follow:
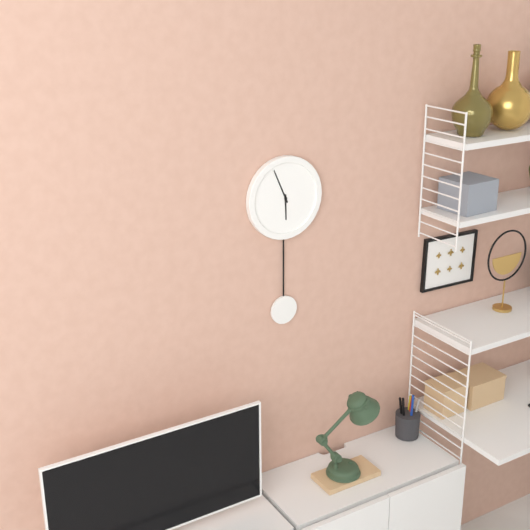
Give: 5h56
